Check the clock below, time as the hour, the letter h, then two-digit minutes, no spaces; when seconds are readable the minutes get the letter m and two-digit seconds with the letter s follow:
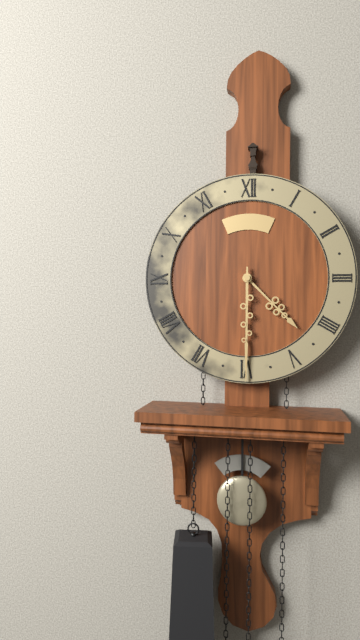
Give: 4h30
